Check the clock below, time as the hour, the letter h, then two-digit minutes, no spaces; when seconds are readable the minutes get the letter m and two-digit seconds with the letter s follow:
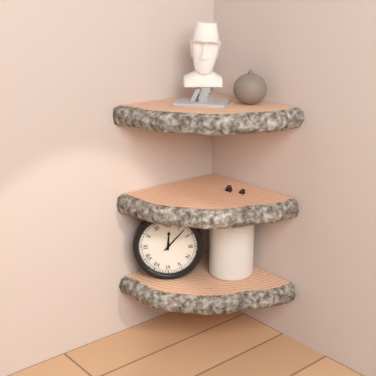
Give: 12h07
